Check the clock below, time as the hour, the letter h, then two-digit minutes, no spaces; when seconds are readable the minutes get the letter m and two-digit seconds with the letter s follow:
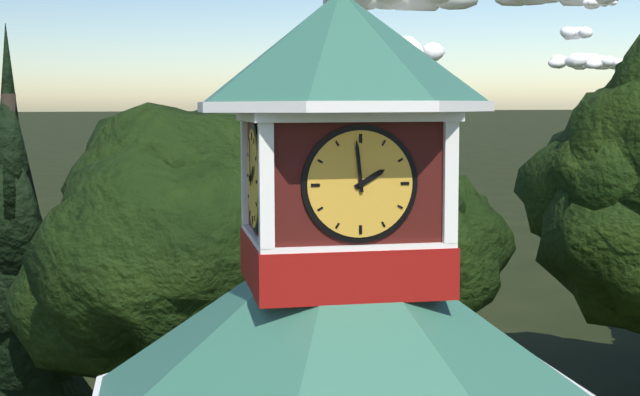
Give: 1h59
